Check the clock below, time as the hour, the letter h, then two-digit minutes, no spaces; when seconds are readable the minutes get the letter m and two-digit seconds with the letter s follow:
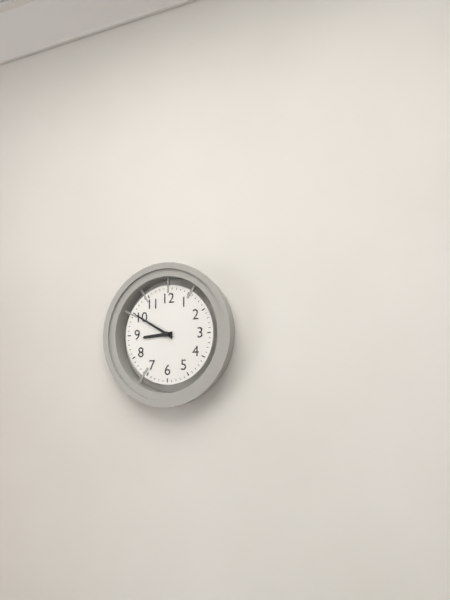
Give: 8h50
